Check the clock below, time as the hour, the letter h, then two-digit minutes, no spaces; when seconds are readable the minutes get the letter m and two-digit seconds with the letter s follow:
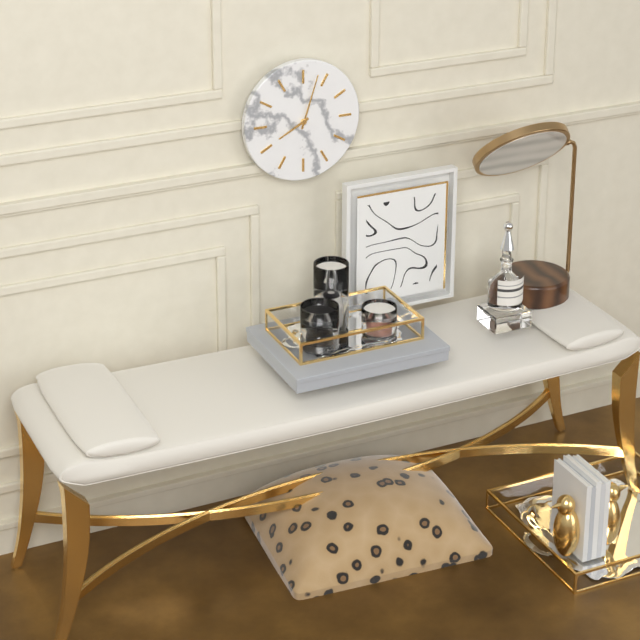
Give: 8h03
